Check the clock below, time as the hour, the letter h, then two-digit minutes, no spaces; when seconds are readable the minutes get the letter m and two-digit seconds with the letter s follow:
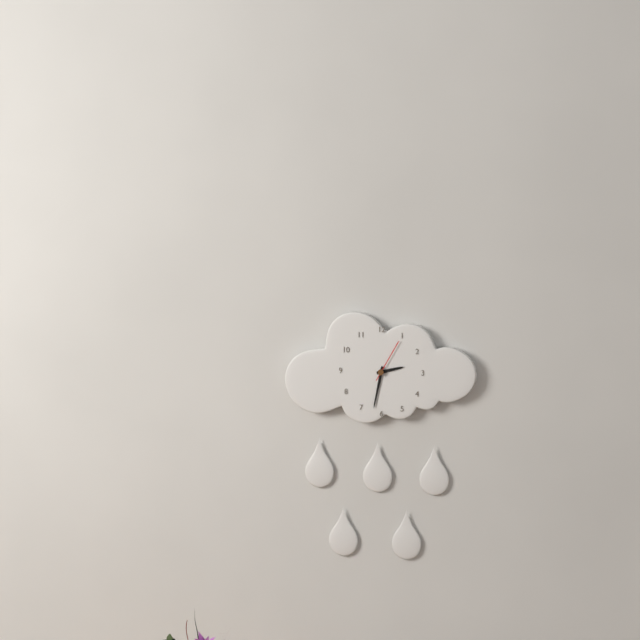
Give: 2h32
